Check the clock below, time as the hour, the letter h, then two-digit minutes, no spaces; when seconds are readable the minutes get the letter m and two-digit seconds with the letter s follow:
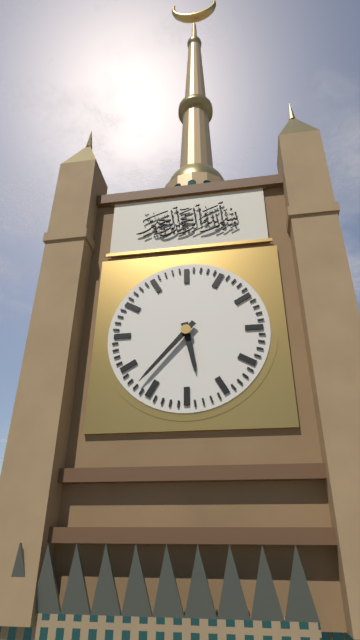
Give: 5h37
